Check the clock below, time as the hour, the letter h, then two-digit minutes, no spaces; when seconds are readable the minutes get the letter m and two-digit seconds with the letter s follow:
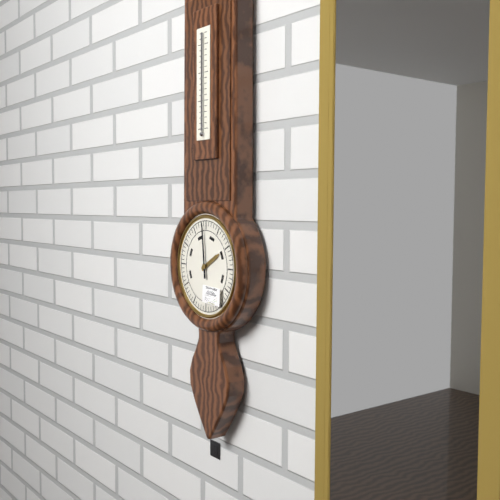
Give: 1h59
